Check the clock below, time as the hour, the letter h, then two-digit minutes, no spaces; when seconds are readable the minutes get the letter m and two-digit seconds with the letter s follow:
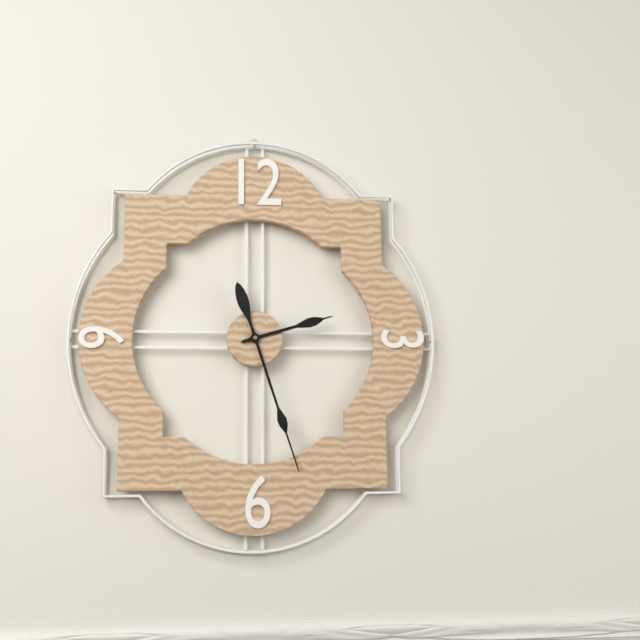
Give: 2h27
